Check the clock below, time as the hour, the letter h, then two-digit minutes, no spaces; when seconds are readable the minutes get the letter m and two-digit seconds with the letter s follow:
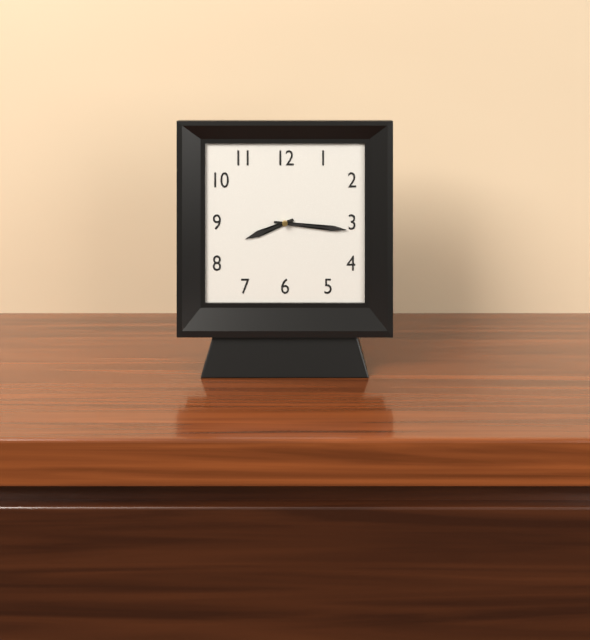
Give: 8h16
